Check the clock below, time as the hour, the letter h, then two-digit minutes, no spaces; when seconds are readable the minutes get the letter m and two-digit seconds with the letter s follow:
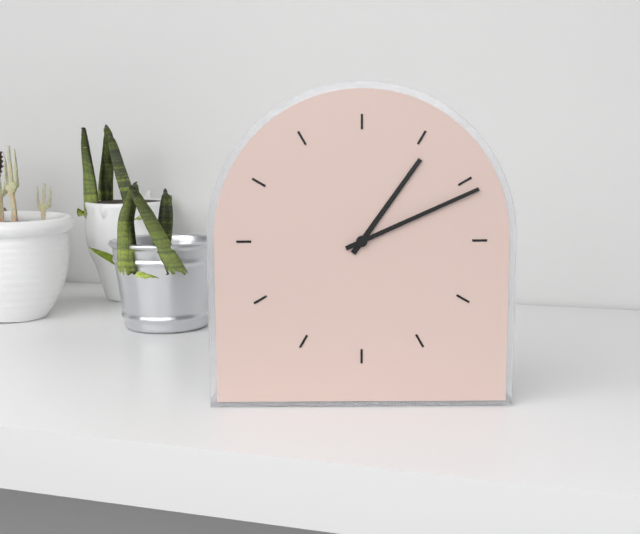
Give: 1h11
